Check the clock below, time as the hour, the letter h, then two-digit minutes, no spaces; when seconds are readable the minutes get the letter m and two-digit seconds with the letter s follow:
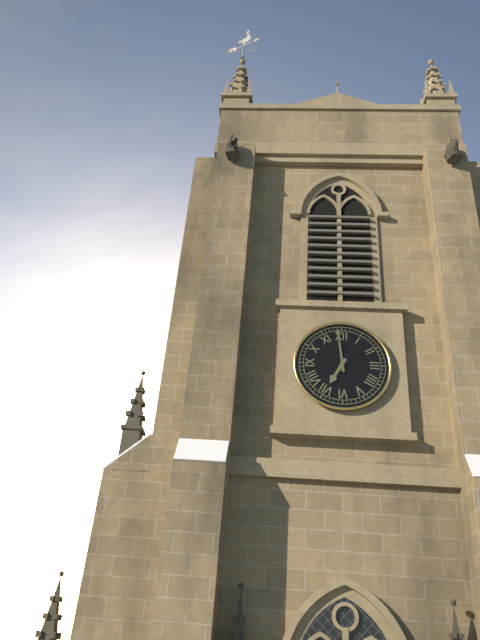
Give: 6h59
